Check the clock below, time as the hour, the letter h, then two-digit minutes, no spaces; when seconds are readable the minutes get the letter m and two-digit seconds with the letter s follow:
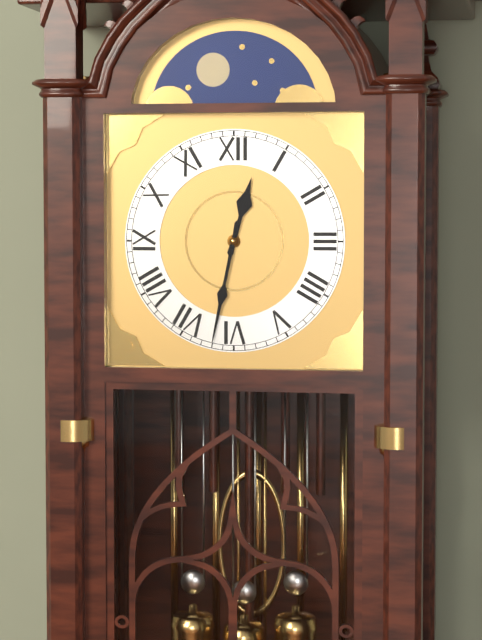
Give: 12h32
